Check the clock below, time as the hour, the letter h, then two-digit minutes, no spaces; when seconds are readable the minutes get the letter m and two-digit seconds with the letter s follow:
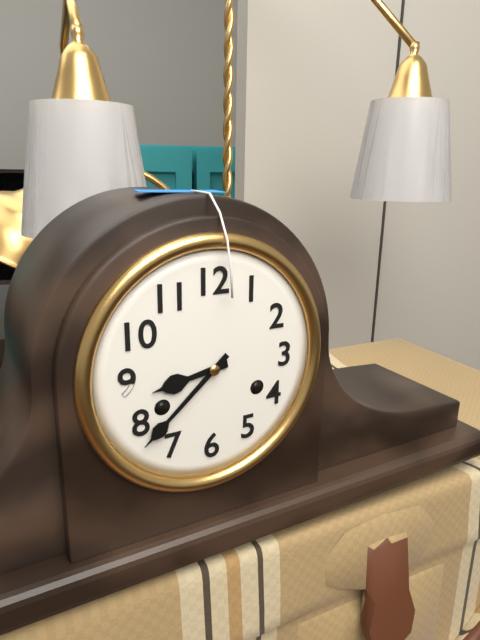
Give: 8h38
